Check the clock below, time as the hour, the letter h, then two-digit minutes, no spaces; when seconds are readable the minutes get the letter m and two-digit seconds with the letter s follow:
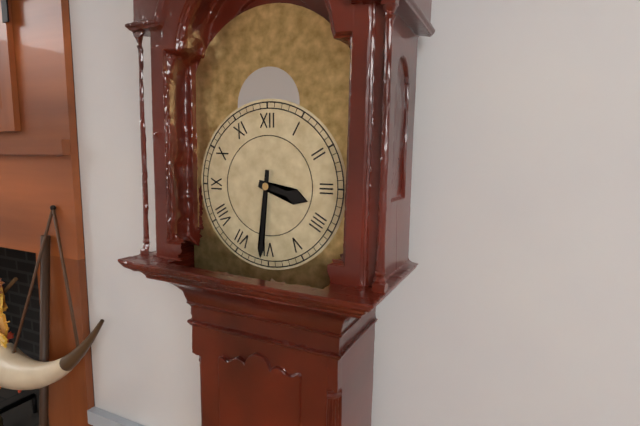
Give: 3h31
